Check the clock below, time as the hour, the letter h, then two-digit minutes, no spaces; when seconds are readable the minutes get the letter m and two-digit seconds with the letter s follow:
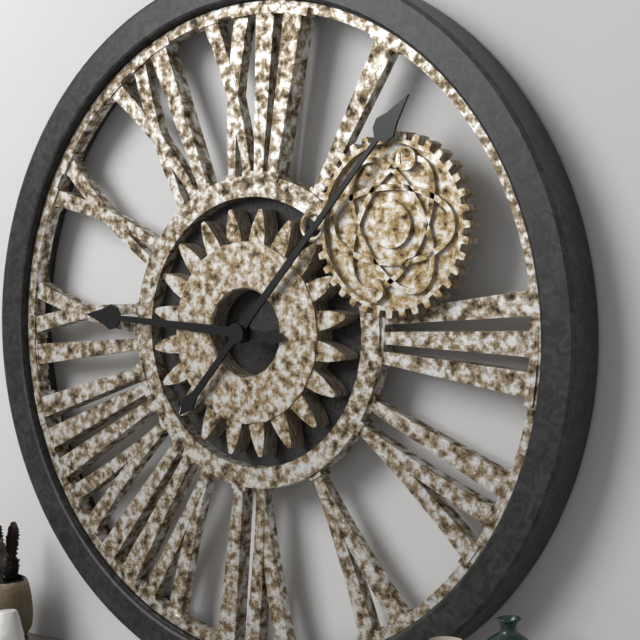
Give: 9h07
